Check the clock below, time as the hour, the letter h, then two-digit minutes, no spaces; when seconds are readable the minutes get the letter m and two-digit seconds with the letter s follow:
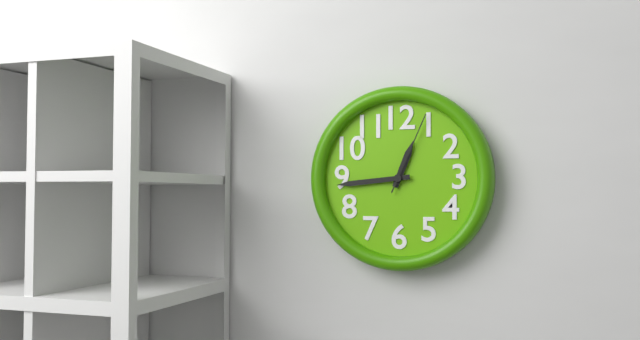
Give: 12h44m04s
